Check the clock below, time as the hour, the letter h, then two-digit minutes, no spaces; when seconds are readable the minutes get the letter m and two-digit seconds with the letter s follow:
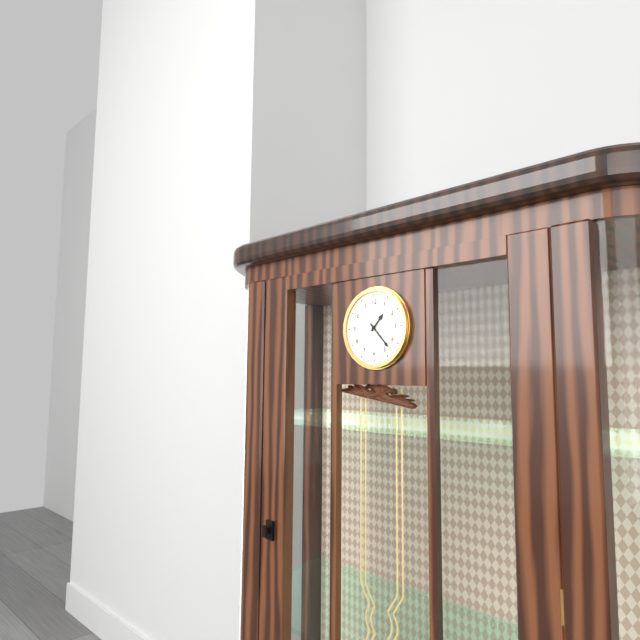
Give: 1h23
